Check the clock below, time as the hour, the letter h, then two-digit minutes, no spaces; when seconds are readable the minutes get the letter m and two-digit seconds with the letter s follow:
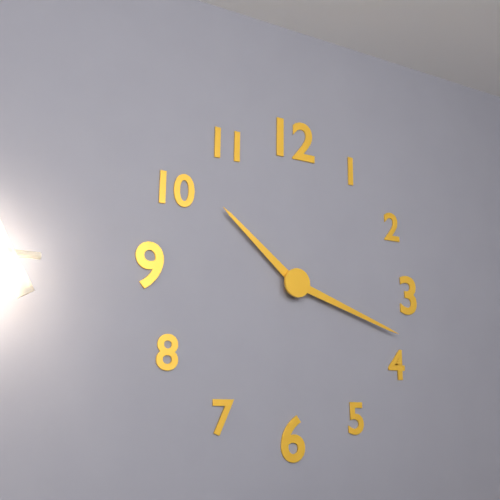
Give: 10h18
